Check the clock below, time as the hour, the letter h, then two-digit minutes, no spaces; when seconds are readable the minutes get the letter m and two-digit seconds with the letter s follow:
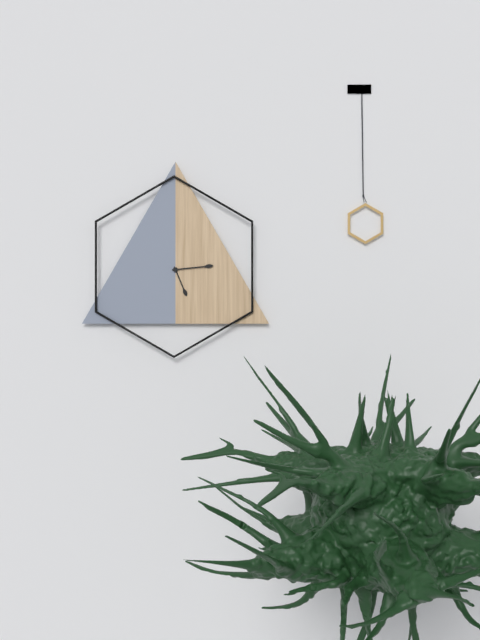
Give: 5h14
